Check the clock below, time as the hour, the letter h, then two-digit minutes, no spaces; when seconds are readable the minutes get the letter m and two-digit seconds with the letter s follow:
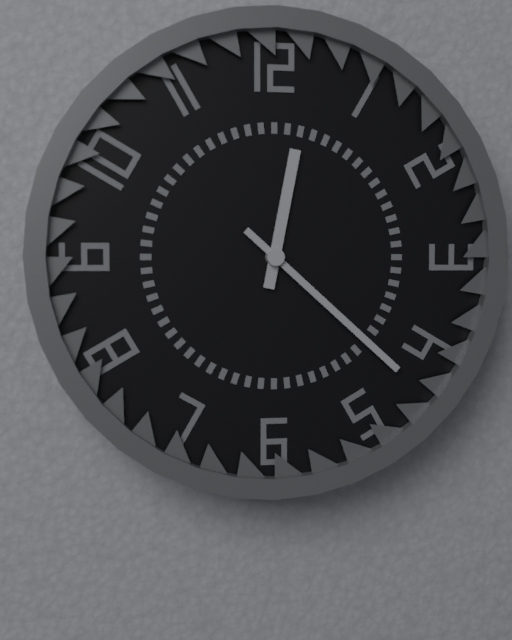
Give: 12h22
